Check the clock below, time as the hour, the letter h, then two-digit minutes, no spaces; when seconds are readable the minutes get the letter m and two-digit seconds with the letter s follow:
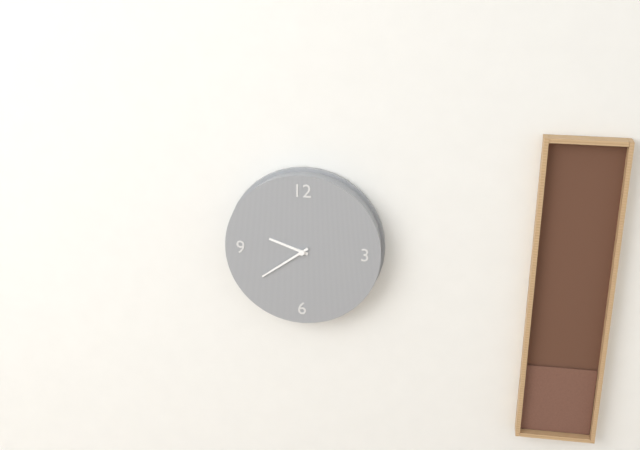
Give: 9h39
